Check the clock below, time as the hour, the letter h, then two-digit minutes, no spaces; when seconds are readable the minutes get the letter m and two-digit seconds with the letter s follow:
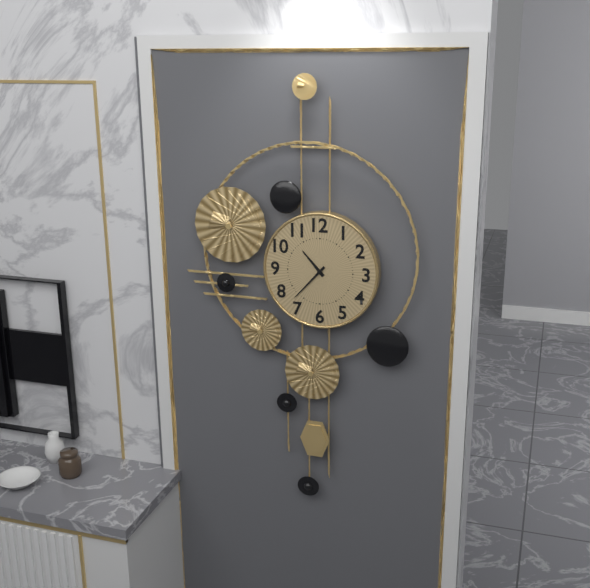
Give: 10h37
